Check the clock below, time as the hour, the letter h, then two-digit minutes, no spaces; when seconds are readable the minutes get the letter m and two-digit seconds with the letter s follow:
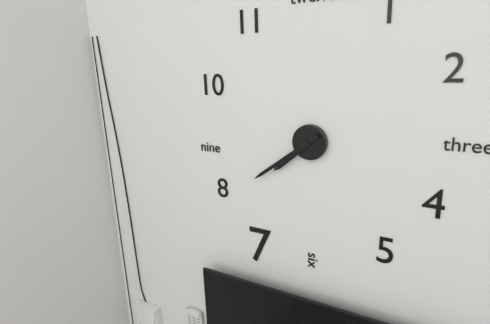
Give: 7h39
